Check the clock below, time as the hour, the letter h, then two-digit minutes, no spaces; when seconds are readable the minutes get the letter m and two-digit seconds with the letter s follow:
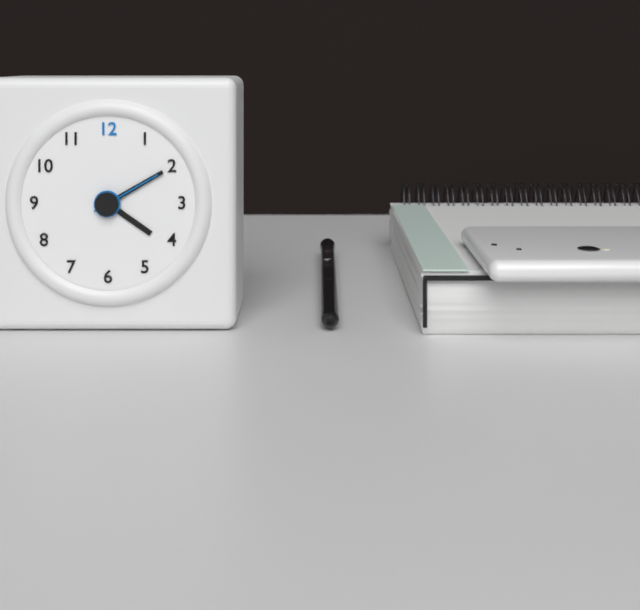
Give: 4h10m10s
